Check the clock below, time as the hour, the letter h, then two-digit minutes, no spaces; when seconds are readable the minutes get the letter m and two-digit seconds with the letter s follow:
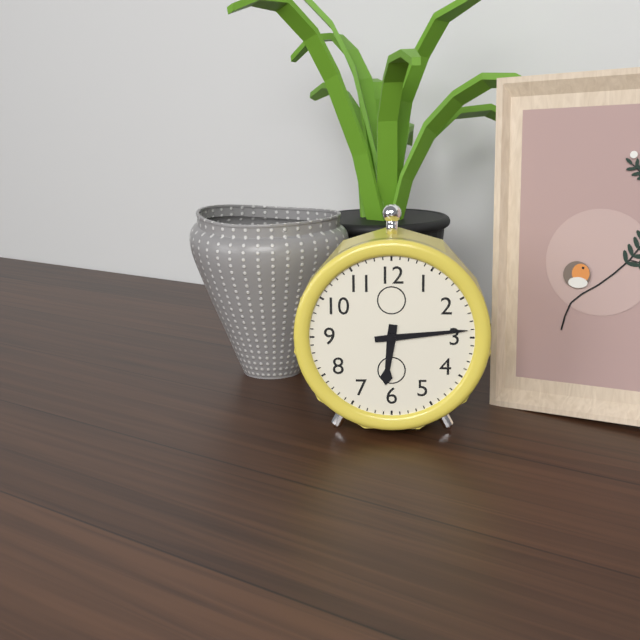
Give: 6h14
